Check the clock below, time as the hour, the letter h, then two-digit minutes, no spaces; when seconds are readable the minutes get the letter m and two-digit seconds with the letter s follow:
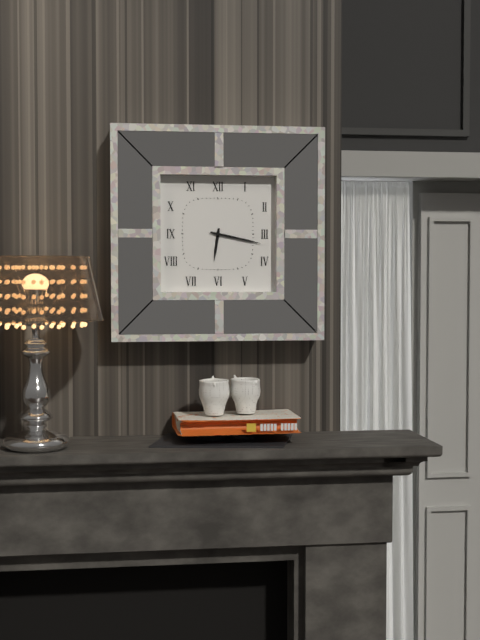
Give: 6h17
